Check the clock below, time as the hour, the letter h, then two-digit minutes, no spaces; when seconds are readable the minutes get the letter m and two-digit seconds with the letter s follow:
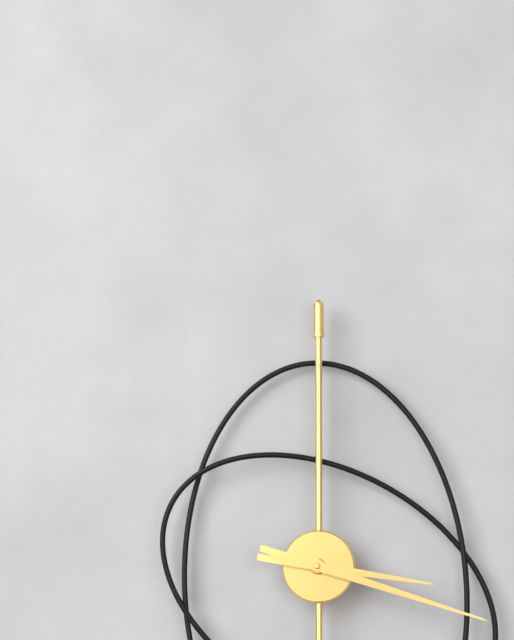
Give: 3h18
